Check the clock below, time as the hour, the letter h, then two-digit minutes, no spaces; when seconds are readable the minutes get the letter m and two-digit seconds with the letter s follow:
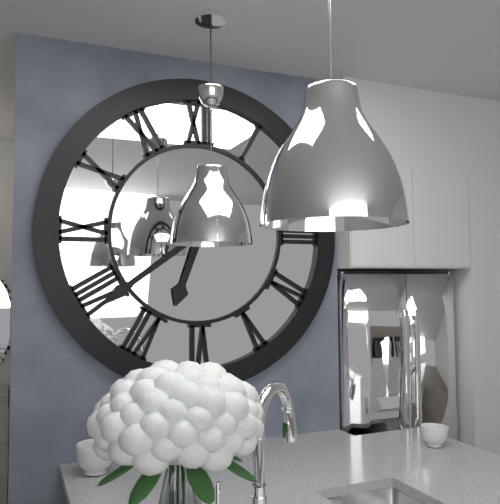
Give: 6h39
